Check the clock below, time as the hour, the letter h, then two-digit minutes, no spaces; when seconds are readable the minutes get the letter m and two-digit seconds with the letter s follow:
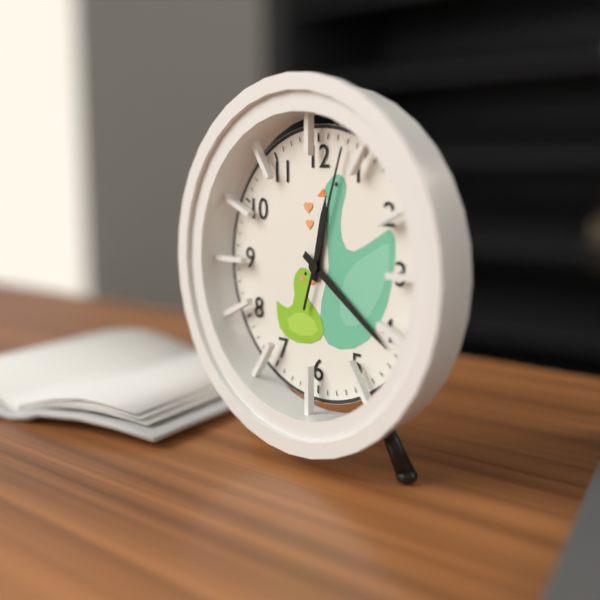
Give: 12h21m03s
